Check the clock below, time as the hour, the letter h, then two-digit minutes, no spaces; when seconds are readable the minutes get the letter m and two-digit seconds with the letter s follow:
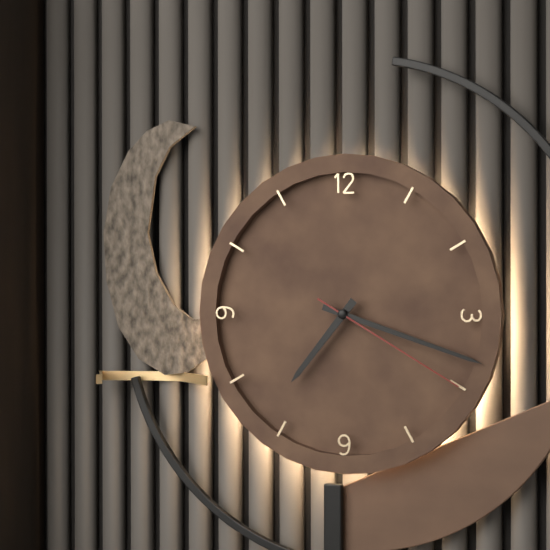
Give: 7h18m20s
